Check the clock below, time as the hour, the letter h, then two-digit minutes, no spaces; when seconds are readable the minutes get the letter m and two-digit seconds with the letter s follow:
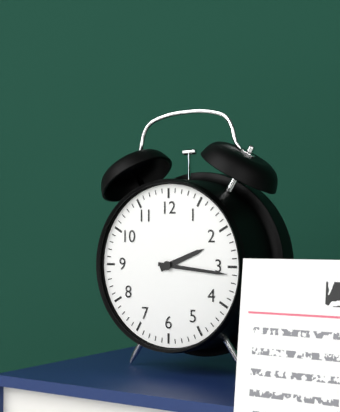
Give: 2h16
